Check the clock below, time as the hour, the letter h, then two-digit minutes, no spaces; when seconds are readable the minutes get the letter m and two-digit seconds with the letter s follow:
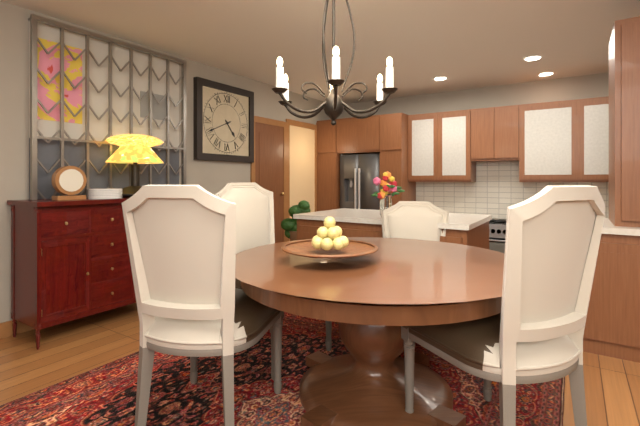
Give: 4h41
